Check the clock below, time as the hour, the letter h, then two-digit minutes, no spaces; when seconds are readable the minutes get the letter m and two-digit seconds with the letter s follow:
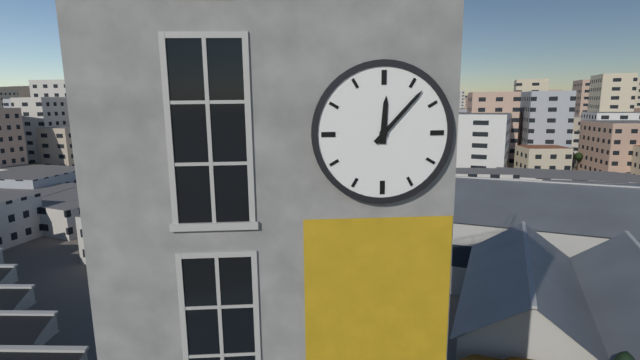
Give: 12h07
